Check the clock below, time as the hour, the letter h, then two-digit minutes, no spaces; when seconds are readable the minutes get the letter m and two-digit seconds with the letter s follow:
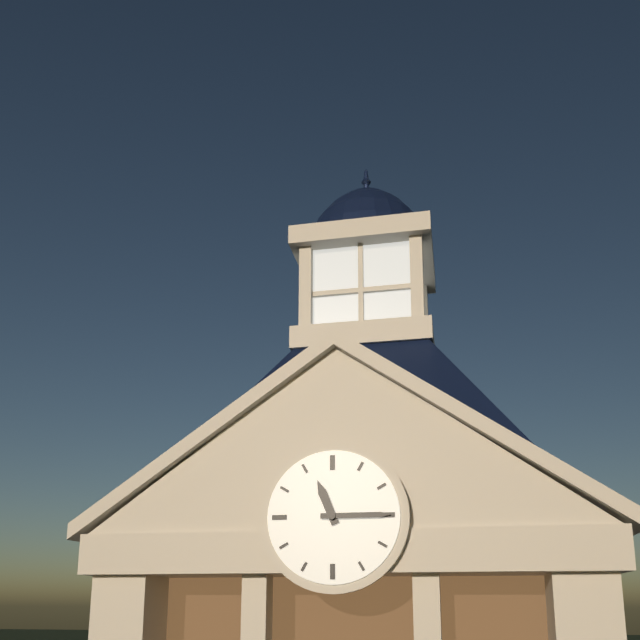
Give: 11h15
